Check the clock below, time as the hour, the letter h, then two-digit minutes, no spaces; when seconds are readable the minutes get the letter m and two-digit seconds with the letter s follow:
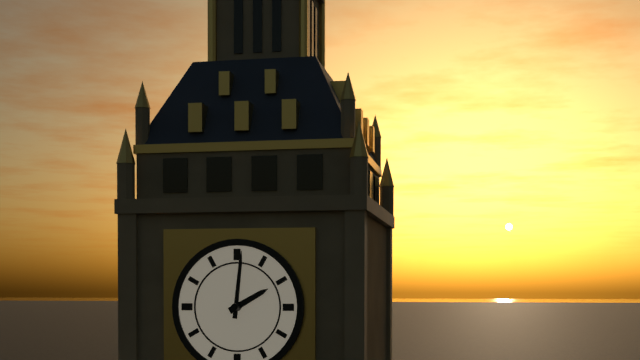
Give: 2h01
